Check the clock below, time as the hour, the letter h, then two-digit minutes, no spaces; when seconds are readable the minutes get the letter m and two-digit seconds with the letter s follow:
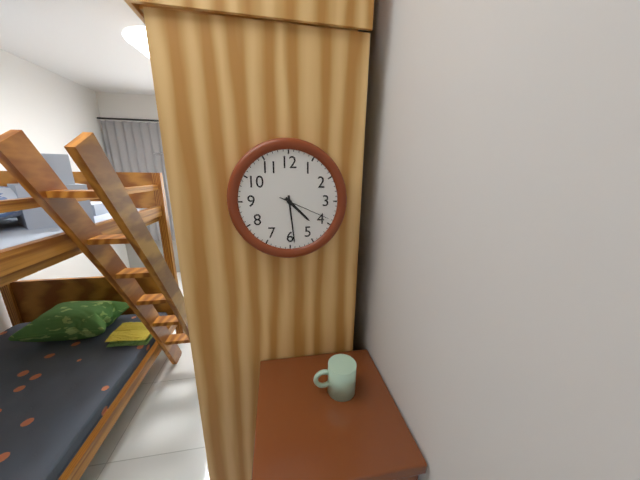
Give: 4h29m19s
